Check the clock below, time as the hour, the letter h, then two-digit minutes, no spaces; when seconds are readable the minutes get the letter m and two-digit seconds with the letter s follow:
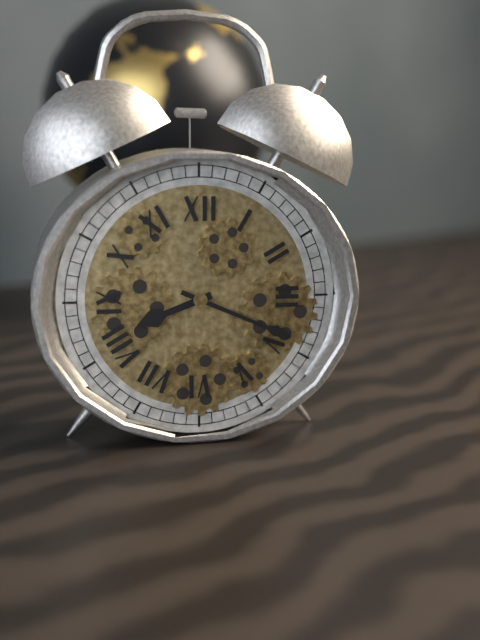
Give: 8h19
